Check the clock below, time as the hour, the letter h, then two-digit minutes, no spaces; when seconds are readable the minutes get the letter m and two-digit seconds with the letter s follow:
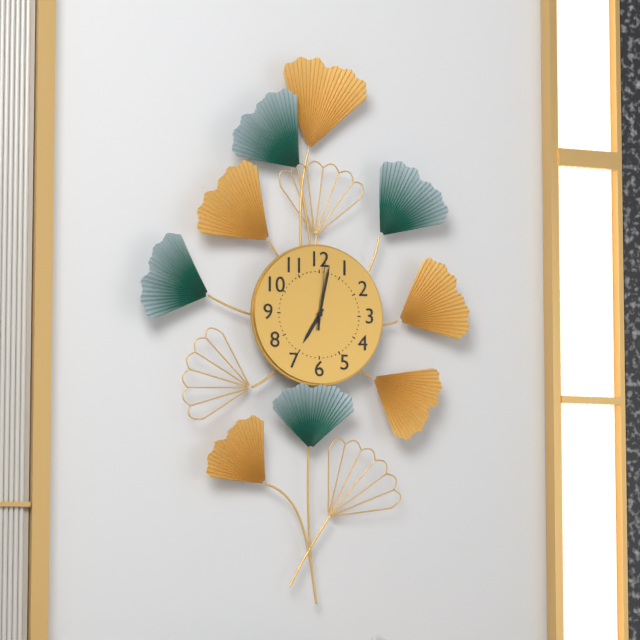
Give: 7h02m01s
